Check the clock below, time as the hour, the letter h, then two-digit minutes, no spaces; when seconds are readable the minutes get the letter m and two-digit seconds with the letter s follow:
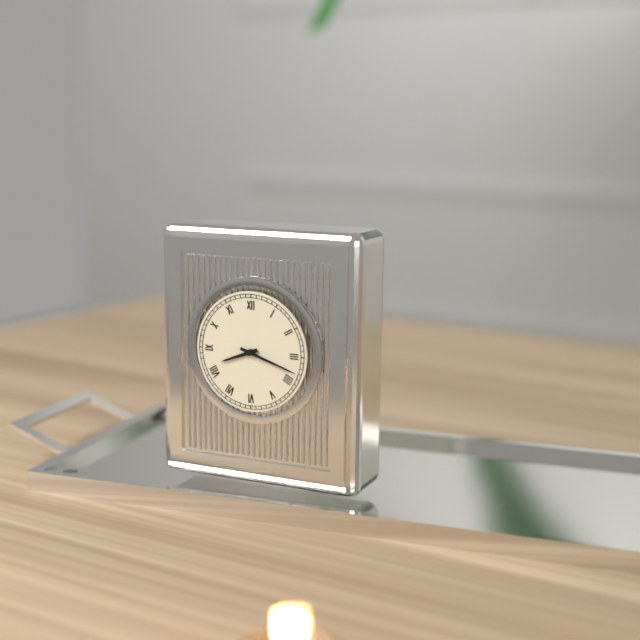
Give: 8h18
